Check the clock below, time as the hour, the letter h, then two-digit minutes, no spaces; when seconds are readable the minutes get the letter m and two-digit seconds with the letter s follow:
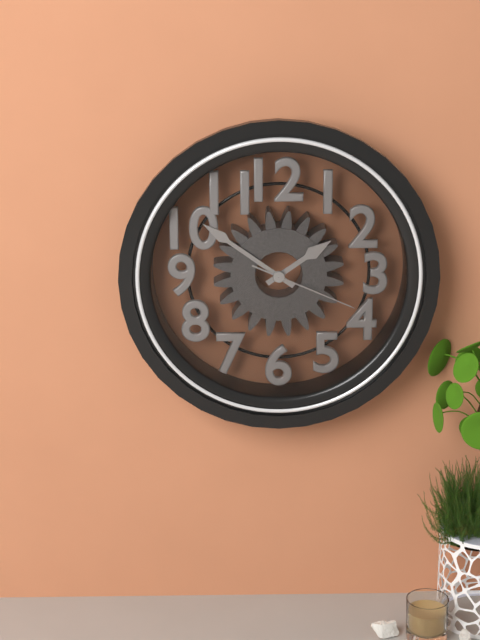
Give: 1h51m19s
